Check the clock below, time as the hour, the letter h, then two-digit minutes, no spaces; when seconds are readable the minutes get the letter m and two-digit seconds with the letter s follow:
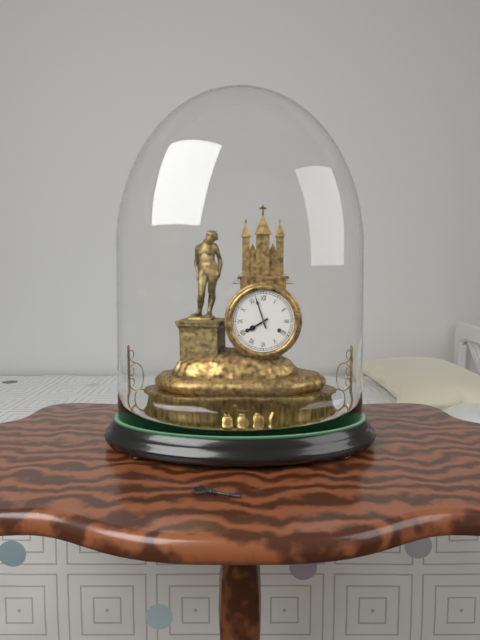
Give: 7h57
